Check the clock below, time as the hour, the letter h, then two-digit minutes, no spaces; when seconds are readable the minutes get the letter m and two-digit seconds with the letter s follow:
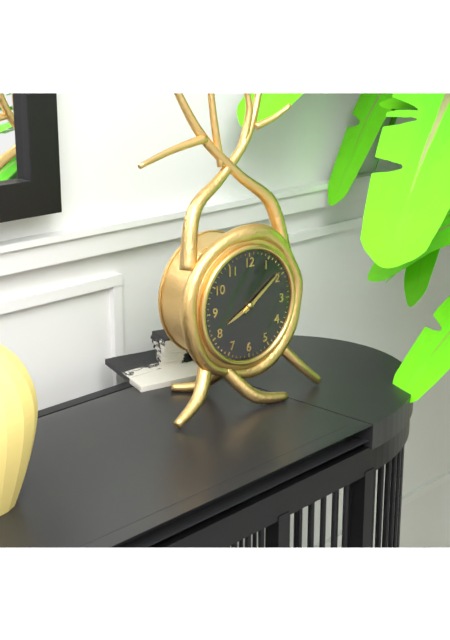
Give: 8h09
